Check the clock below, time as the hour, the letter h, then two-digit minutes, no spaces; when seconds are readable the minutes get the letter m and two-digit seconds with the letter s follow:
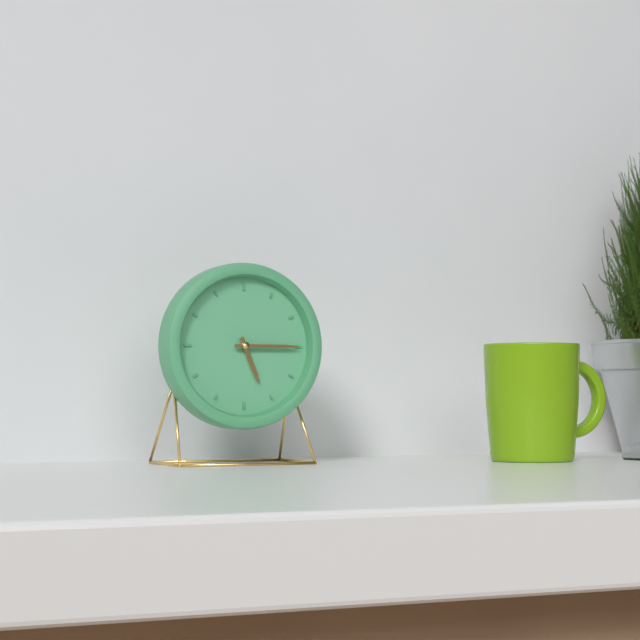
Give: 5h15
